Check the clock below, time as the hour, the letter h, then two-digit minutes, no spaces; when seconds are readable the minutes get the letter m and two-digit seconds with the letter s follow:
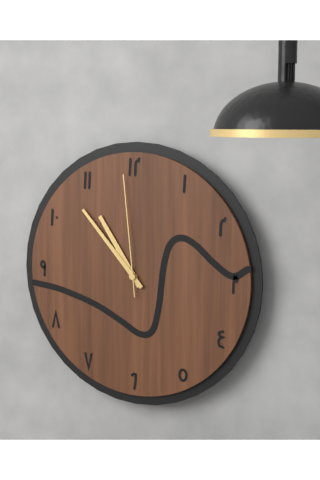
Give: 10h53m59s
